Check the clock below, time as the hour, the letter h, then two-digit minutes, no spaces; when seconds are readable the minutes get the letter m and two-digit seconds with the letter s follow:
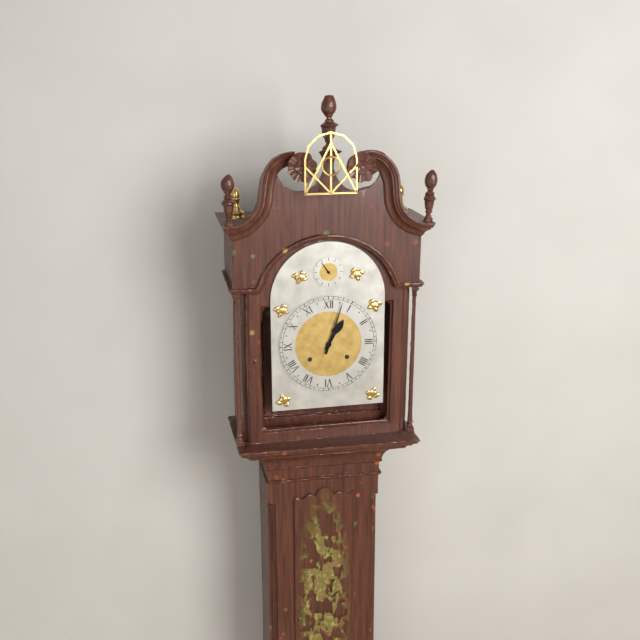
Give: 1h03
